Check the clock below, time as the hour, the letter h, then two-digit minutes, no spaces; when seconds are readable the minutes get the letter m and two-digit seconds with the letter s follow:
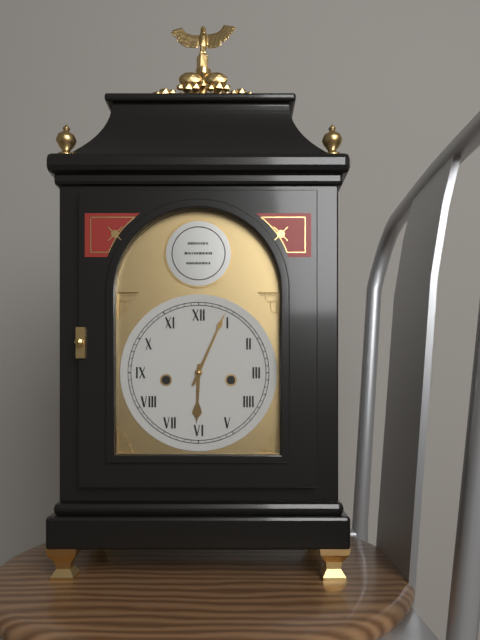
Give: 6h04
